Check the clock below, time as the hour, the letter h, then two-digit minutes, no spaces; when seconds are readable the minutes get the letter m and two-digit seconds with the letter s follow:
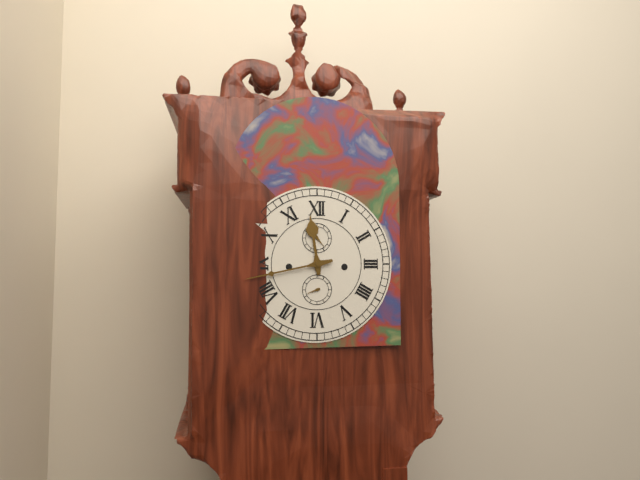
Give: 11h43
